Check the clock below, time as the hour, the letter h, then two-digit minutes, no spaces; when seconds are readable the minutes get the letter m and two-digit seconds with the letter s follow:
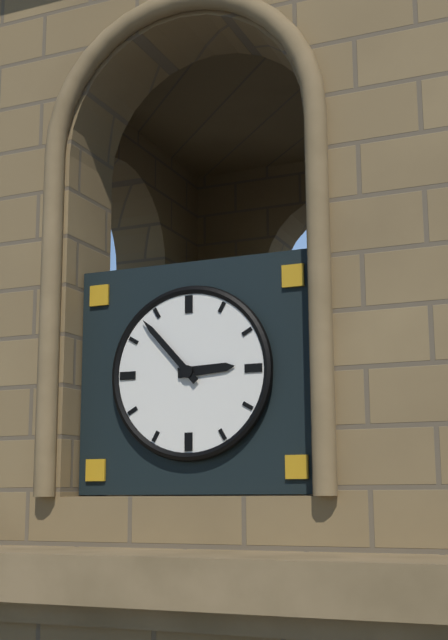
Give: 2h53
